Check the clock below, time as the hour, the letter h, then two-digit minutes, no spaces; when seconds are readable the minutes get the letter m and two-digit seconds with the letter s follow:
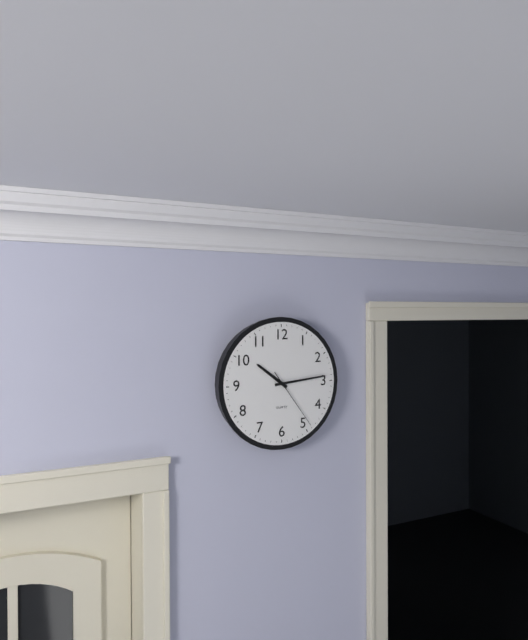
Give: 10h14m24s
